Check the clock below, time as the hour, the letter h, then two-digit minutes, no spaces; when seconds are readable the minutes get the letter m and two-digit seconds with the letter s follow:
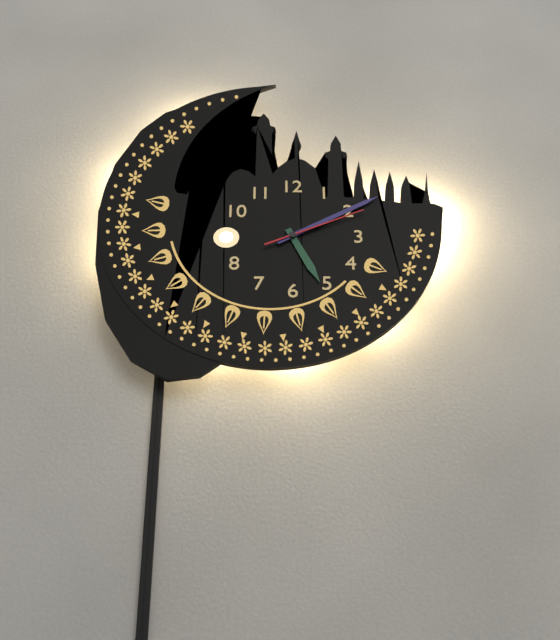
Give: 5h10m11s
